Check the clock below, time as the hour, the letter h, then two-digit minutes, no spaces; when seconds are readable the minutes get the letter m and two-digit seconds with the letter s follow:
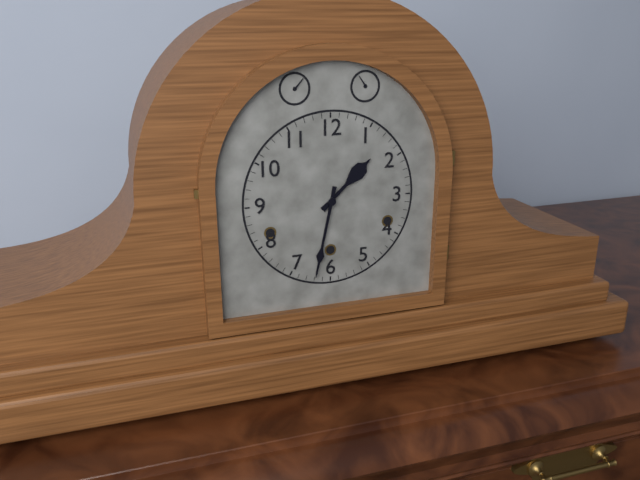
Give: 1h32
